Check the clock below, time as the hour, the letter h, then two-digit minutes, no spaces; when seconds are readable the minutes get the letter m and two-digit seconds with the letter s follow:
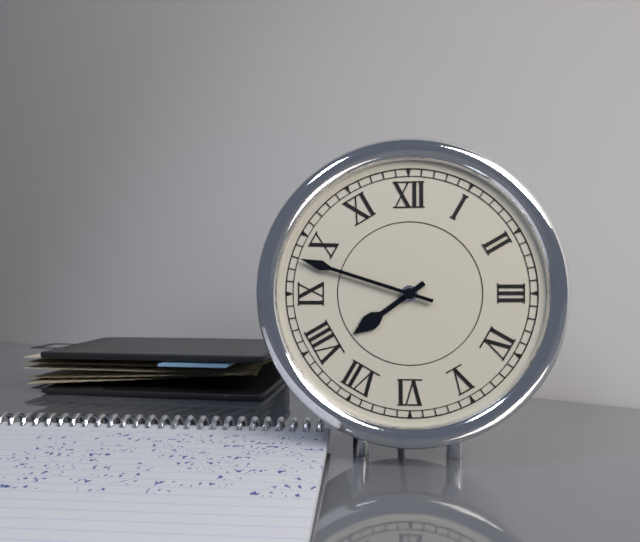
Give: 7h48
